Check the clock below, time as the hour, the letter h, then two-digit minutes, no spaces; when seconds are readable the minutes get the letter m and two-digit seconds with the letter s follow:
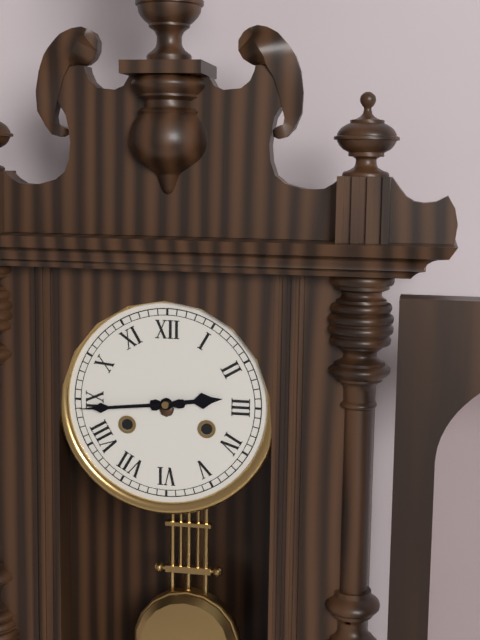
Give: 2h44
